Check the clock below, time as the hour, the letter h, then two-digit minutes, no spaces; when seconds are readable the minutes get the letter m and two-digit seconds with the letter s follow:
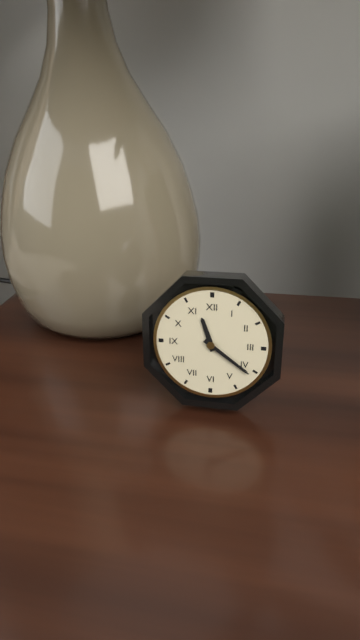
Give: 11h21
